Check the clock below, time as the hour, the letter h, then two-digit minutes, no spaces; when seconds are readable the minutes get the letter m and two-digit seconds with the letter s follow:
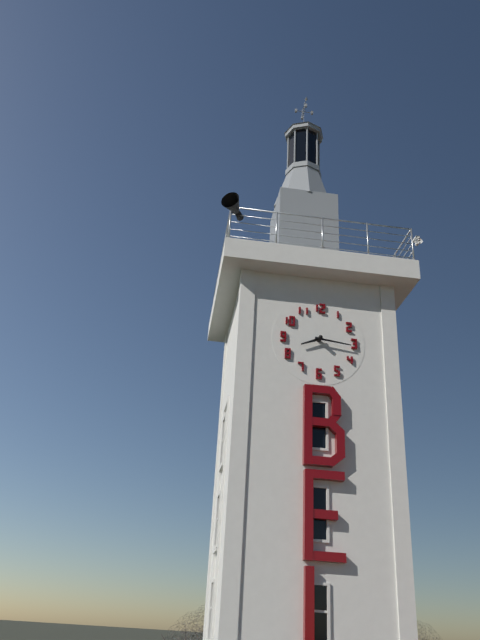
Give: 8h16
